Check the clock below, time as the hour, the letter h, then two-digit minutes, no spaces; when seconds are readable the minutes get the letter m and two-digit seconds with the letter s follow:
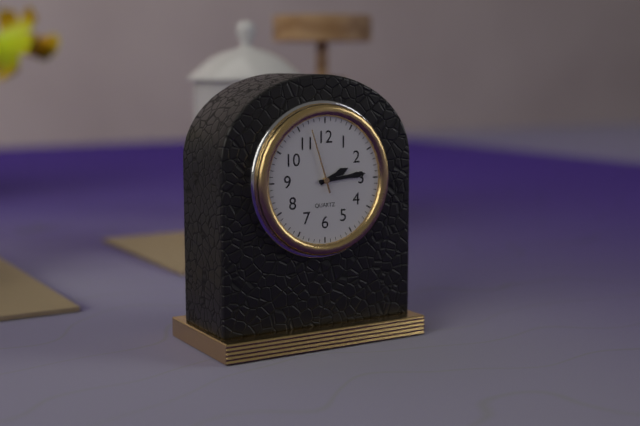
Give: 2h14m57s
